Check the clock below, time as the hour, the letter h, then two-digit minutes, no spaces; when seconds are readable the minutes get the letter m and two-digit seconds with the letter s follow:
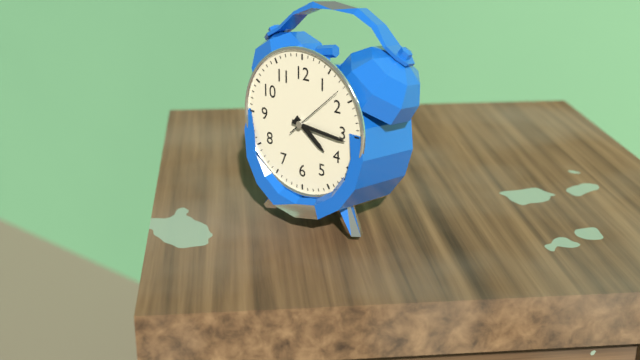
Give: 4h16m08s
